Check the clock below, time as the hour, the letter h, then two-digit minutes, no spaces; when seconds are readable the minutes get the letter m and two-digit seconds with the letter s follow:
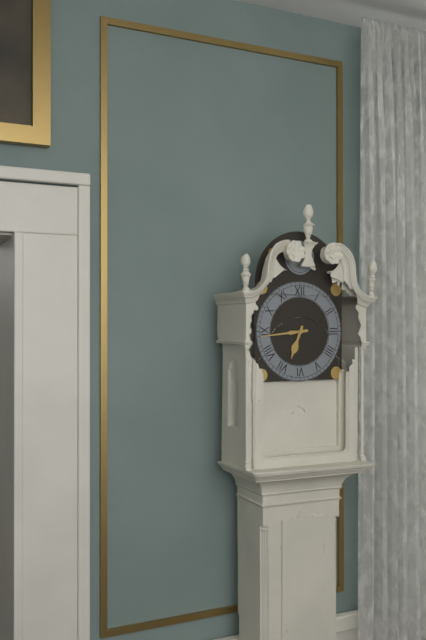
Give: 6h44
